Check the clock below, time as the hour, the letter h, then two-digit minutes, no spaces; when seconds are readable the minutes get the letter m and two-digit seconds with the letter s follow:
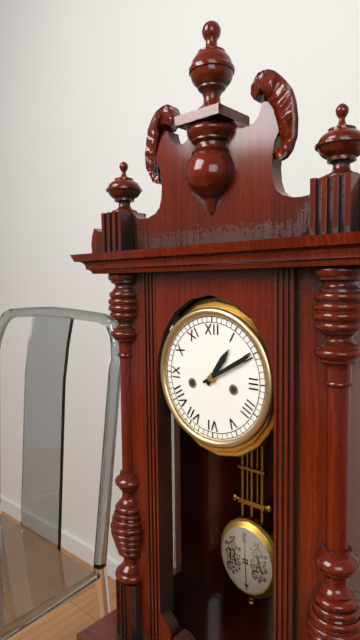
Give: 1h10
